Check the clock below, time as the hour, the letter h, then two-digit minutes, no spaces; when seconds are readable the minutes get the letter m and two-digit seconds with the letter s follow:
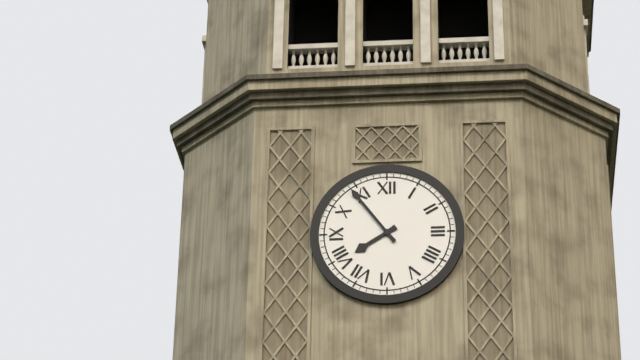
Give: 7h54
